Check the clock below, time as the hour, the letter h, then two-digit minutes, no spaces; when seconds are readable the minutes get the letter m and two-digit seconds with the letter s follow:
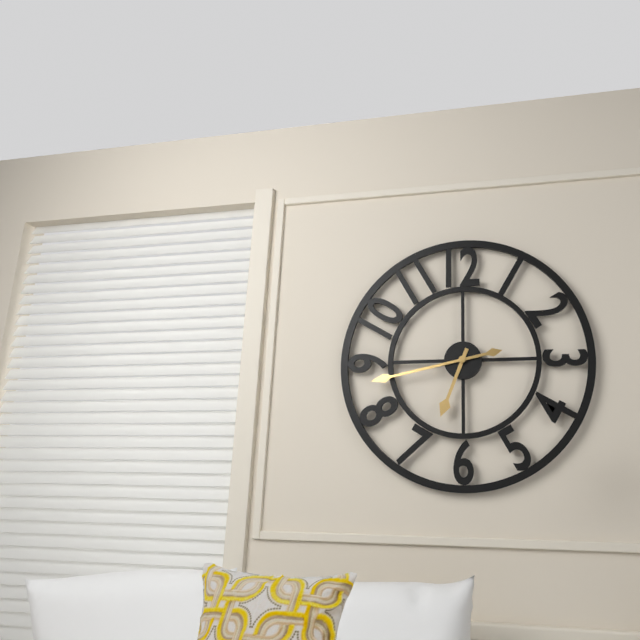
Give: 6h43
